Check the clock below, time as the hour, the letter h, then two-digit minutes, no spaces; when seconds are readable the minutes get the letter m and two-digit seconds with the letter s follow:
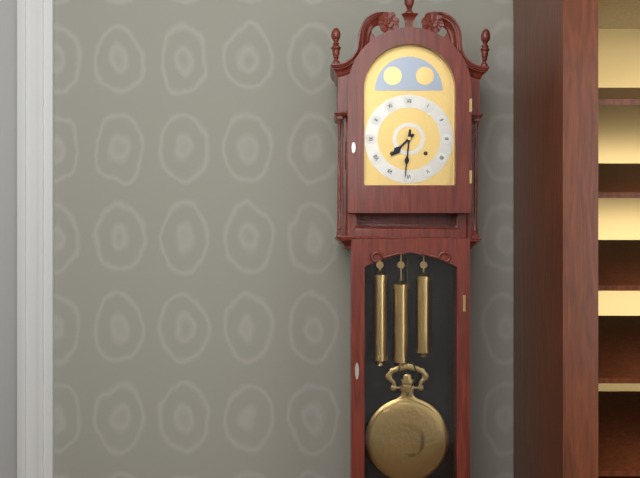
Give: 7h31
